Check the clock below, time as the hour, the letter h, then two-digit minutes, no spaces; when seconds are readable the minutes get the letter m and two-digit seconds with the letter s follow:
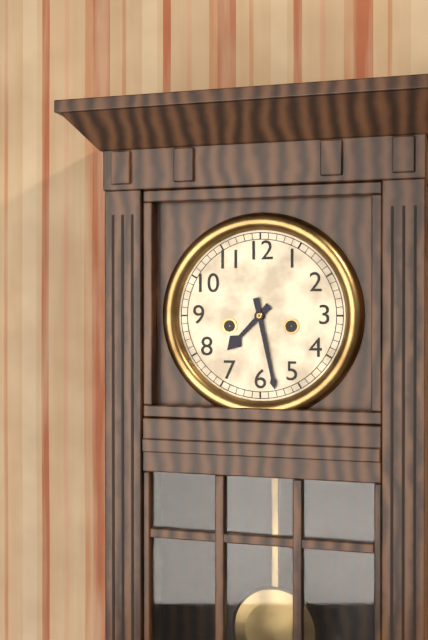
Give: 7h28
